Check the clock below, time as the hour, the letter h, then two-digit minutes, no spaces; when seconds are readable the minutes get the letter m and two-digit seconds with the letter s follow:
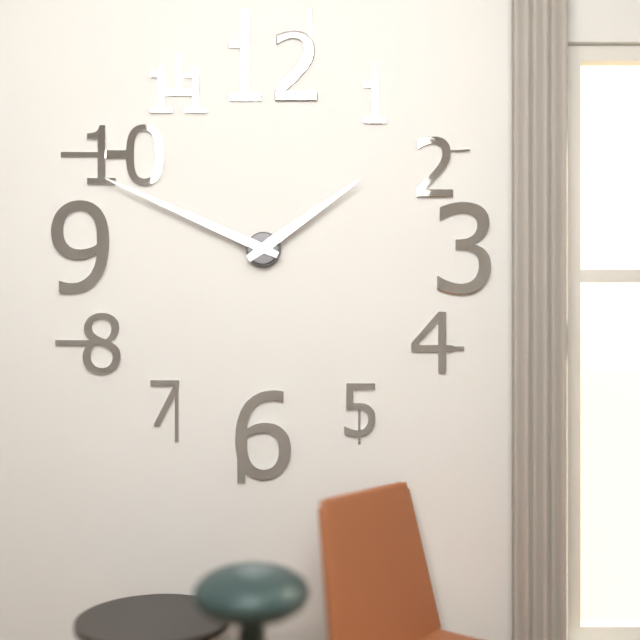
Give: 1h49
